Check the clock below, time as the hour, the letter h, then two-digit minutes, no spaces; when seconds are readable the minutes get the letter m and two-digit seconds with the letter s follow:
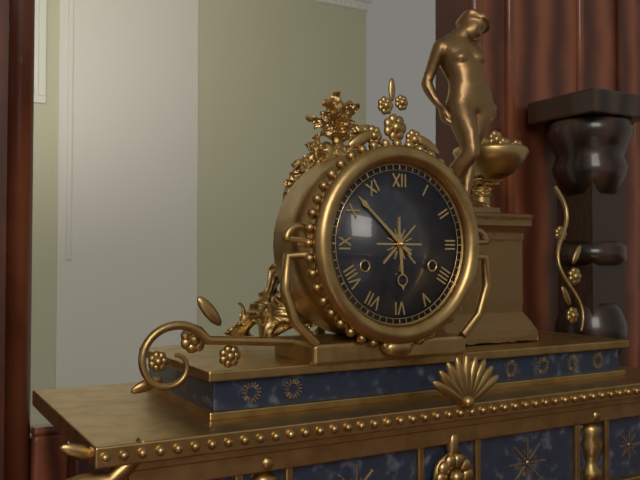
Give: 5h52
